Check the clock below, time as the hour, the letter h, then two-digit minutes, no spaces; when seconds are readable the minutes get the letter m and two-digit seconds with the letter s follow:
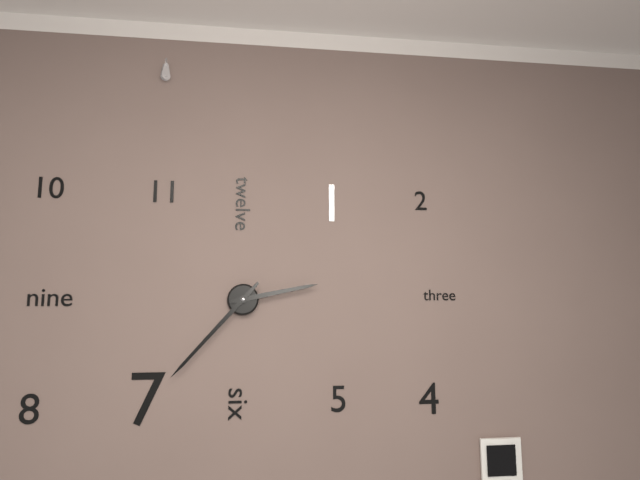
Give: 2h37
